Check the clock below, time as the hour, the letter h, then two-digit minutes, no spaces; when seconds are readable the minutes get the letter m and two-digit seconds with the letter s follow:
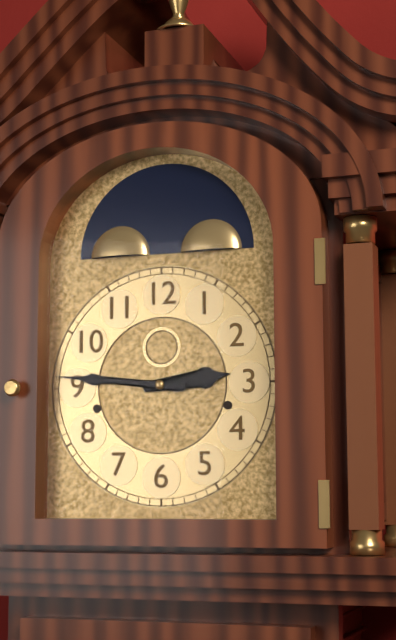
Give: 2h46
